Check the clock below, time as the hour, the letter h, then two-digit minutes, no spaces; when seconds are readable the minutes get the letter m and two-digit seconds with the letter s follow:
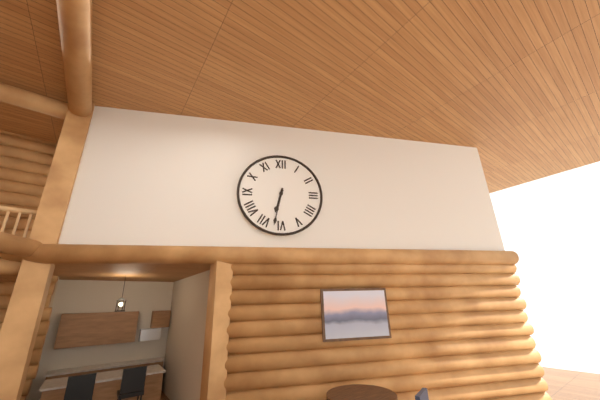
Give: 6h32
